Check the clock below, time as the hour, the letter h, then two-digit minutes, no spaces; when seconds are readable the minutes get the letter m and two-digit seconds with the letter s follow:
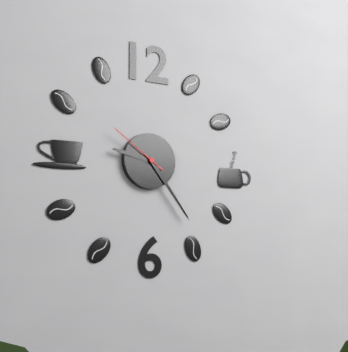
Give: 9h24m51s
